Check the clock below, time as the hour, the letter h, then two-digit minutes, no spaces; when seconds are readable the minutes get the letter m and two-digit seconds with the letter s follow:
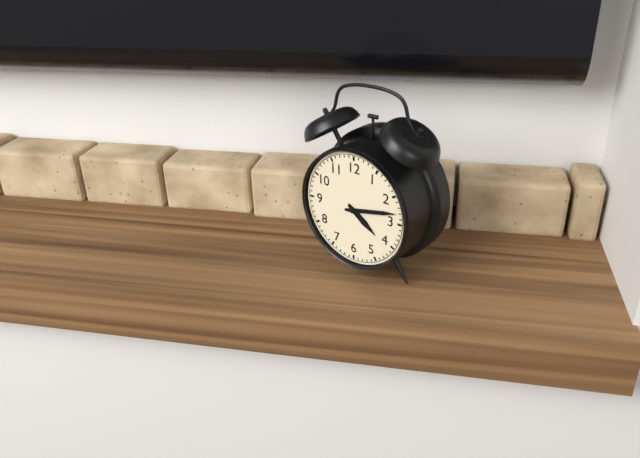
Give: 4h13
